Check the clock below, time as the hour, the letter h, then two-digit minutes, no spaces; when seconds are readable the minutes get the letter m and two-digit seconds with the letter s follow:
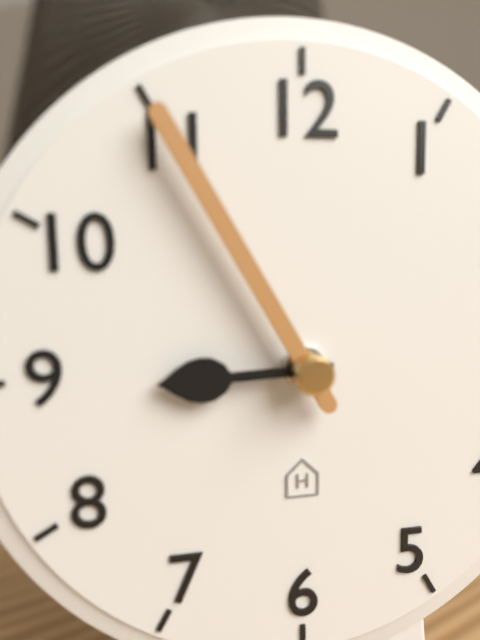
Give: 8h55
